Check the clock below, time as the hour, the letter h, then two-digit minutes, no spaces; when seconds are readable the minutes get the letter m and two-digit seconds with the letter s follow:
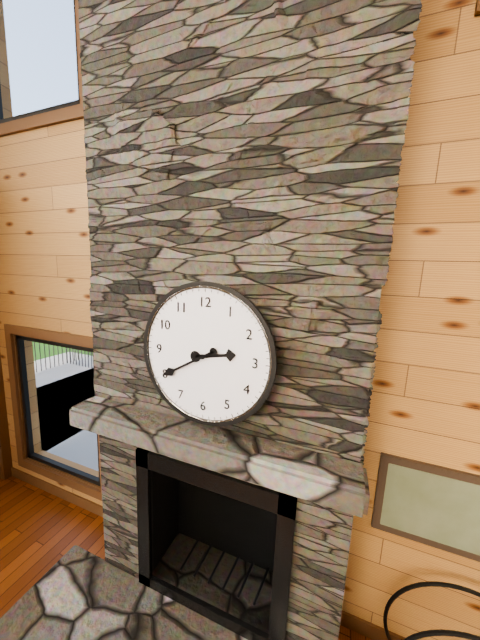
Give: 2h40
